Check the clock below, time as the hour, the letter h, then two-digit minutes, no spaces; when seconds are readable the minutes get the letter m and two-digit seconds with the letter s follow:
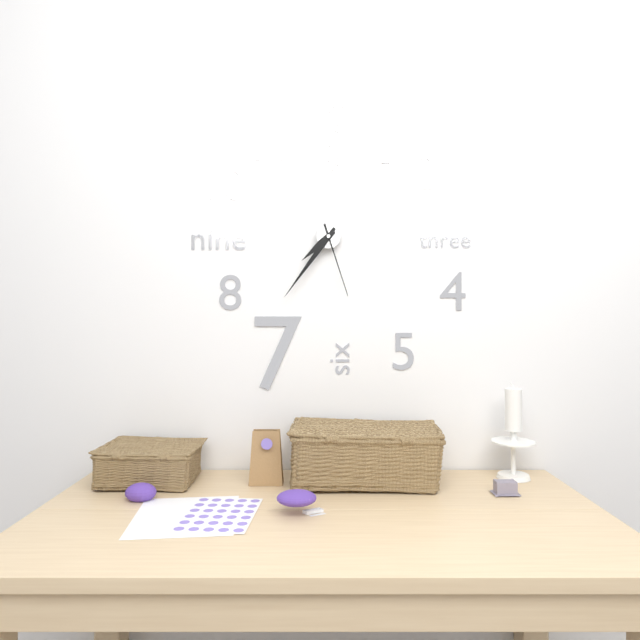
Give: 7h36m27s
